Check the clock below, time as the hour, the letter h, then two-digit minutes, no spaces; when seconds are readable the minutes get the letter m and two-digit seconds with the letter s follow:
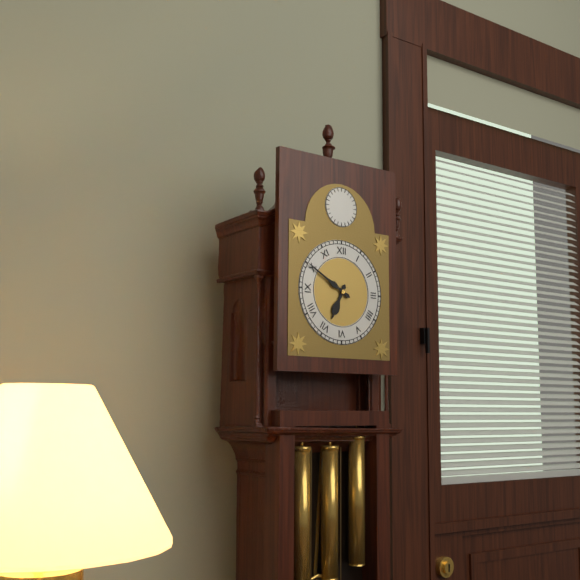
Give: 6h50
